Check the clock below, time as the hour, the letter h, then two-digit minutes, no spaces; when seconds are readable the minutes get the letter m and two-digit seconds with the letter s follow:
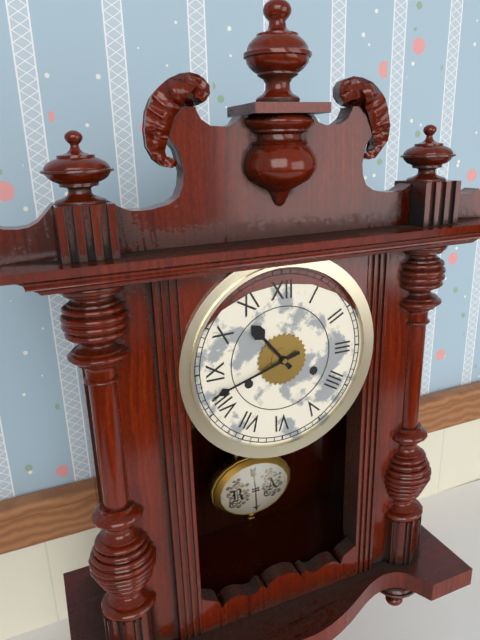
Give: 10h42
